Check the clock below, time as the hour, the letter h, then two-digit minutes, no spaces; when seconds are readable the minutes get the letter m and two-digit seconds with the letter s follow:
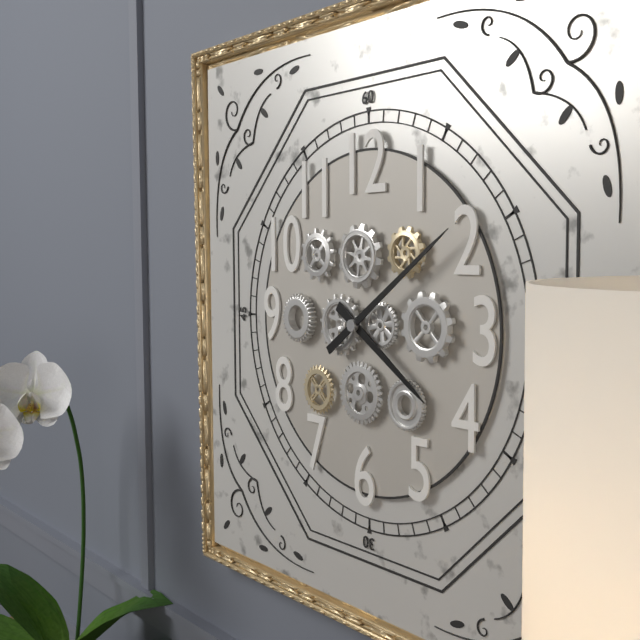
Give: 4h09
